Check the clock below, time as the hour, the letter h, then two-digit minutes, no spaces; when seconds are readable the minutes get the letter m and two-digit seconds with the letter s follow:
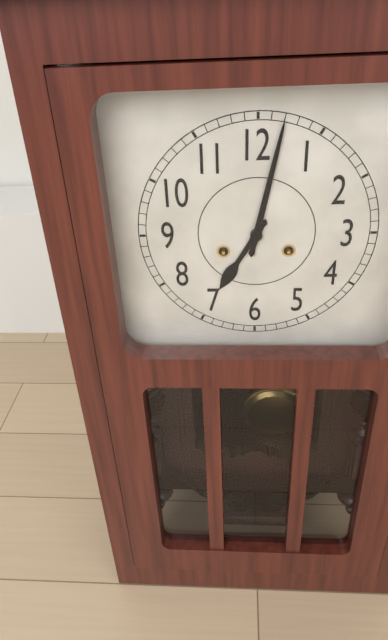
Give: 7h02
